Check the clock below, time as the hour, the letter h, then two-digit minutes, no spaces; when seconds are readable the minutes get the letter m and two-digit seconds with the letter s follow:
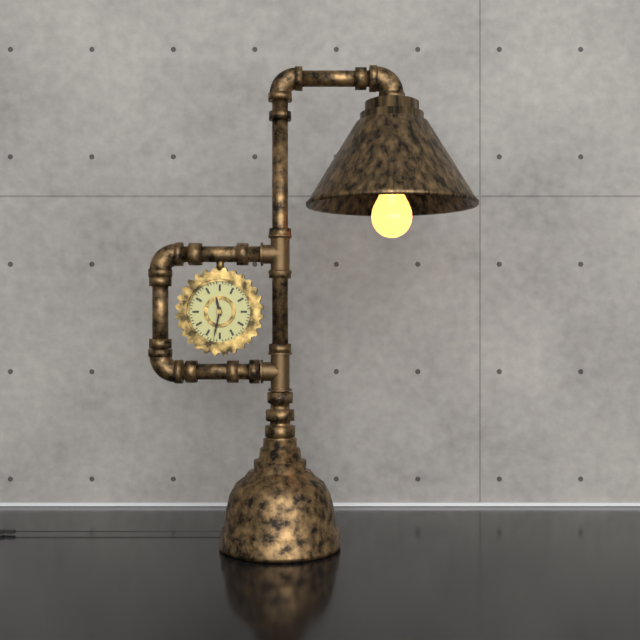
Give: 11h32
